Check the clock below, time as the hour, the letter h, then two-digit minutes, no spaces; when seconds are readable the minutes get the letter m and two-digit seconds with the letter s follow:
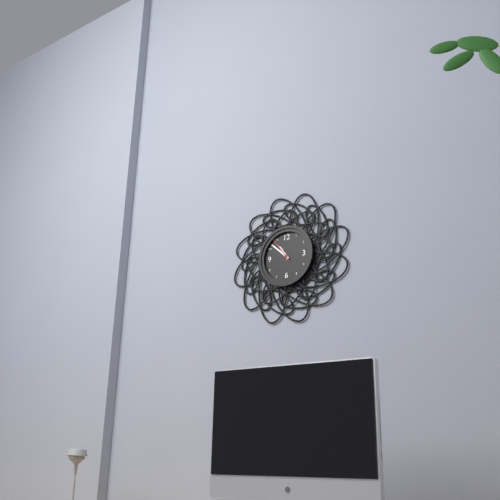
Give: 10h52
